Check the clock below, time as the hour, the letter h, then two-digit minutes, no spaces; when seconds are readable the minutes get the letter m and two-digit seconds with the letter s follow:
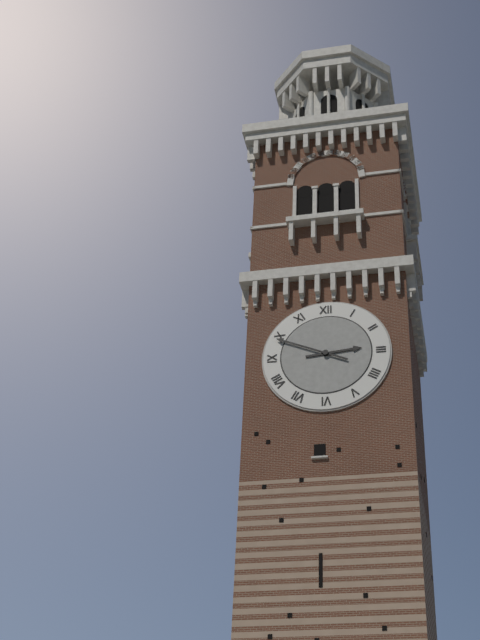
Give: 2h49
